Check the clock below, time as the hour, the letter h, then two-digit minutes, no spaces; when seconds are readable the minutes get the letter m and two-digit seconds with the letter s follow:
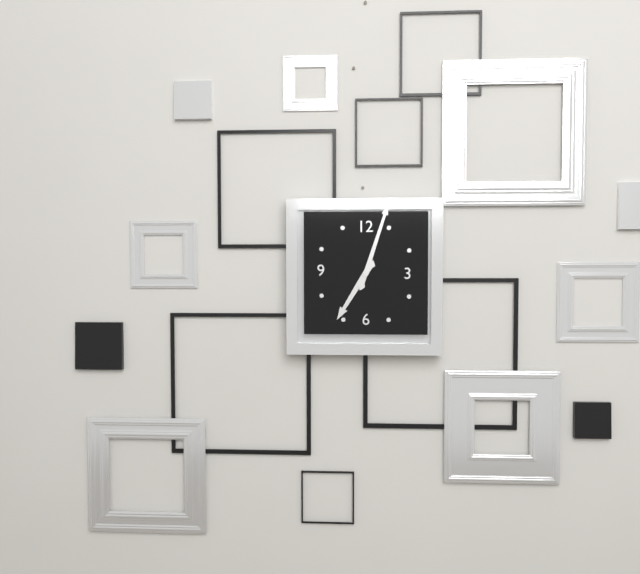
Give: 7h03
